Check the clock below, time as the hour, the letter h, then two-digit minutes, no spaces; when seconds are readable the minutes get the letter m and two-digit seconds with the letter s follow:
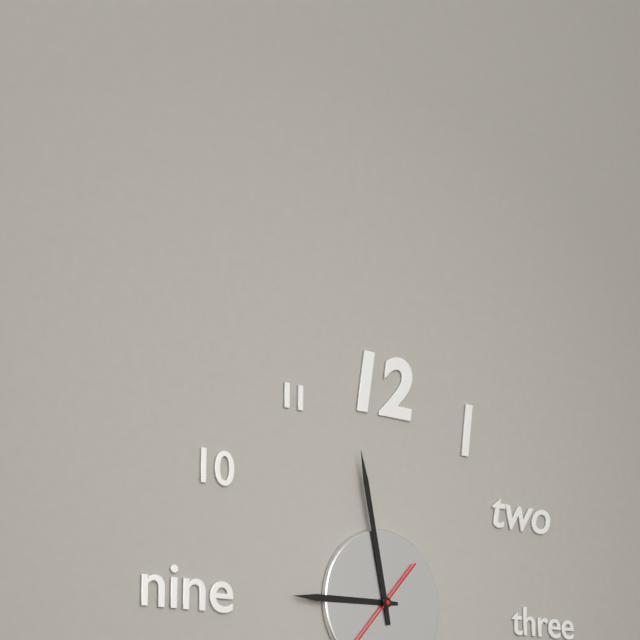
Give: 8h58
